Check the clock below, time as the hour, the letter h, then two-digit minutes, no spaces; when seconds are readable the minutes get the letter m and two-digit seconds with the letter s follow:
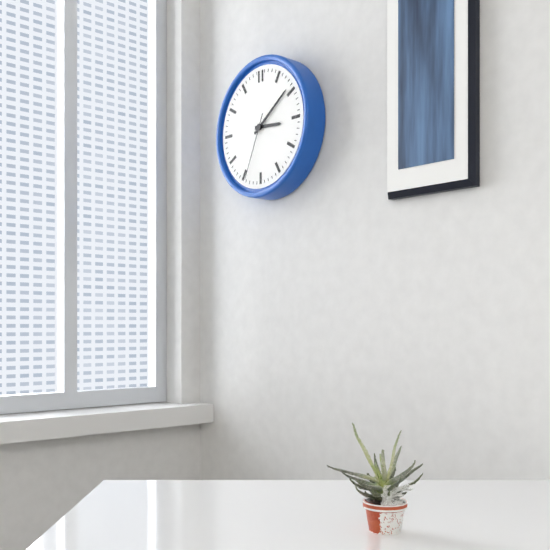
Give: 3h09m34s
